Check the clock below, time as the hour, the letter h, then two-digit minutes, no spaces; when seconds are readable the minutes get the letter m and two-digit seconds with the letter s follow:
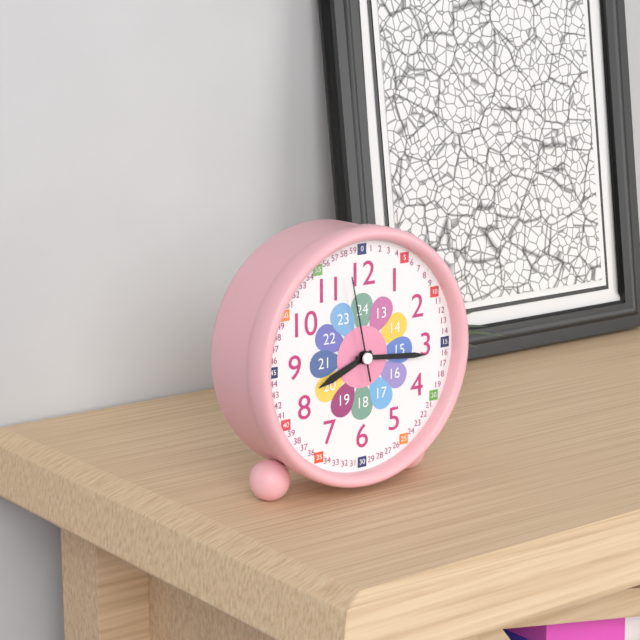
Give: 8h16m58s
